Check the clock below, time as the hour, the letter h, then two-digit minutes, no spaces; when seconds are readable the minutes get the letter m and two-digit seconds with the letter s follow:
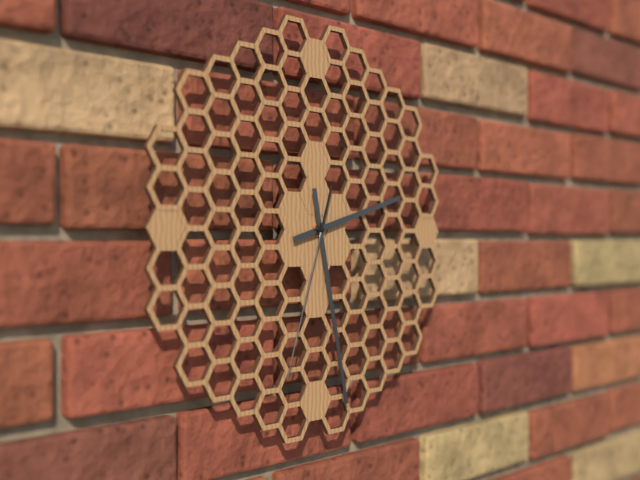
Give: 2h28m33s
